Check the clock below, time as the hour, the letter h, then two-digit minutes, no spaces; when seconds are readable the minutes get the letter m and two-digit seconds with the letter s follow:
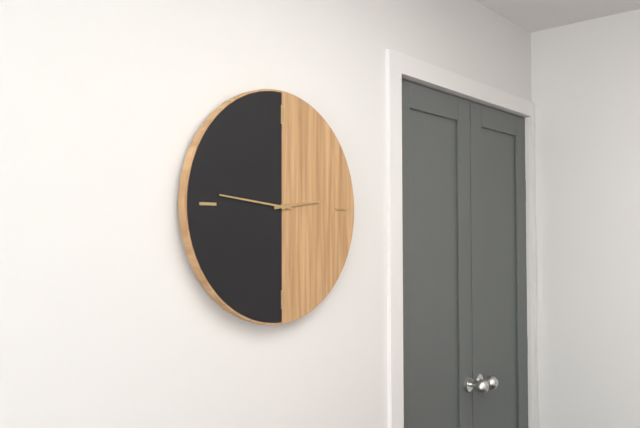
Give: 2h46
